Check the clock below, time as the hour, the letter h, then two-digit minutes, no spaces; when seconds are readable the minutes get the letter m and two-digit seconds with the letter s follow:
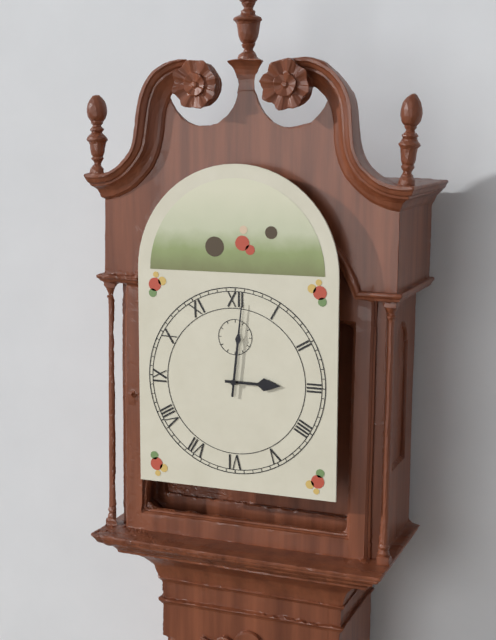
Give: 3h01
